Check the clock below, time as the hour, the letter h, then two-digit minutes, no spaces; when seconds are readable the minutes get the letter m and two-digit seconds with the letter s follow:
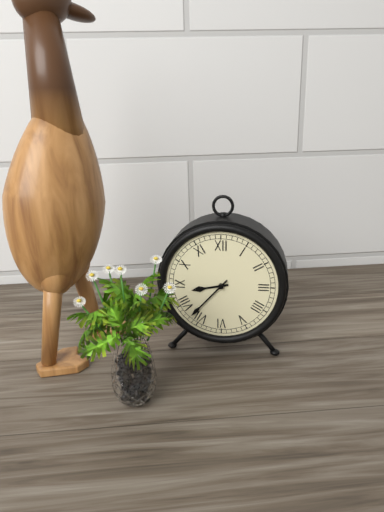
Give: 8h37
